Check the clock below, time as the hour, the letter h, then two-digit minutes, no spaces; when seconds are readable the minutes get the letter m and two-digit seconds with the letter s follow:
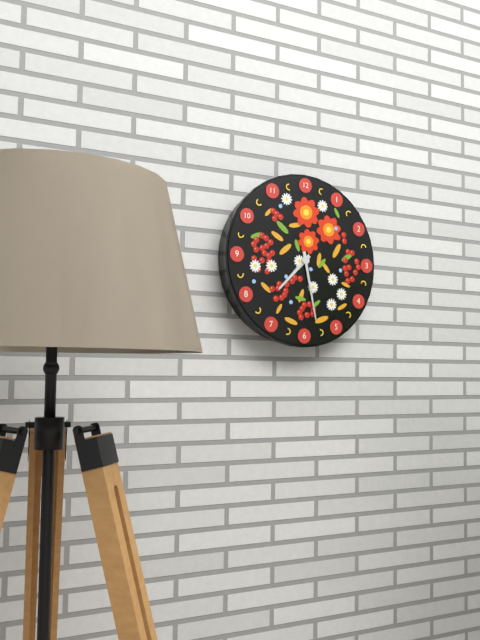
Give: 7h28
